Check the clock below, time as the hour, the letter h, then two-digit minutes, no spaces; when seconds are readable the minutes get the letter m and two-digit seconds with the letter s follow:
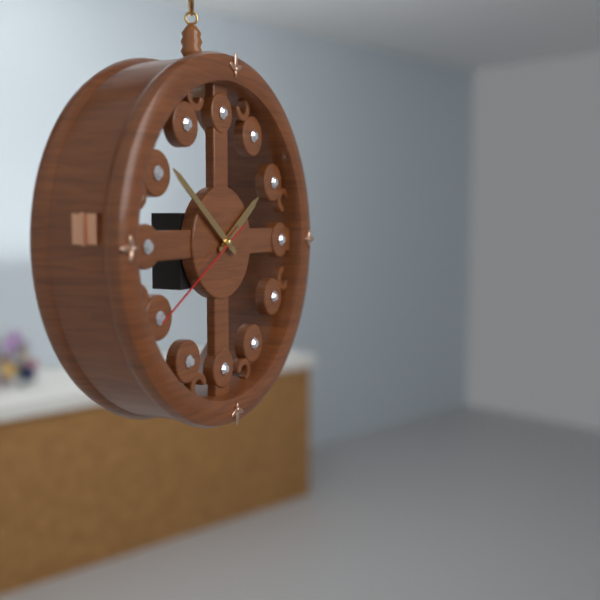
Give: 1h51m40s
